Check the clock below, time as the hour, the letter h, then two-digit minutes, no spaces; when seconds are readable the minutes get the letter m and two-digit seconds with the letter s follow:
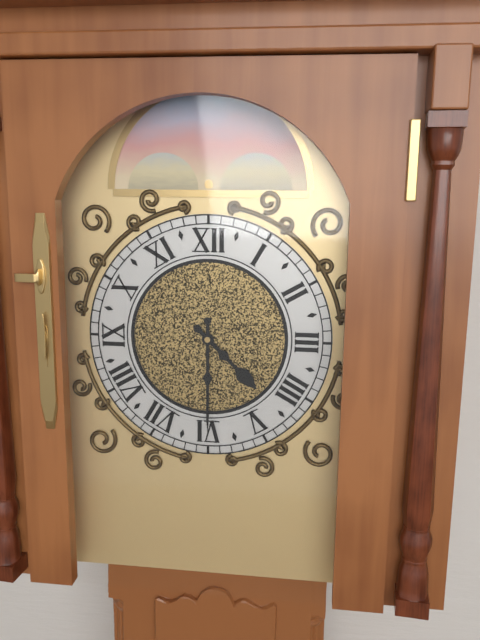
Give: 4h30
